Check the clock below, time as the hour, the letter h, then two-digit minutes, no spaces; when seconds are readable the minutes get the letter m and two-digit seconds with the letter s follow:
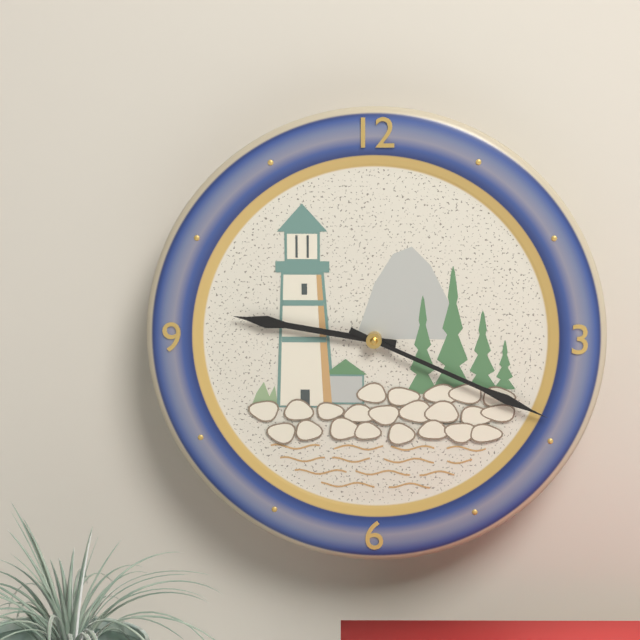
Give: 9h19
